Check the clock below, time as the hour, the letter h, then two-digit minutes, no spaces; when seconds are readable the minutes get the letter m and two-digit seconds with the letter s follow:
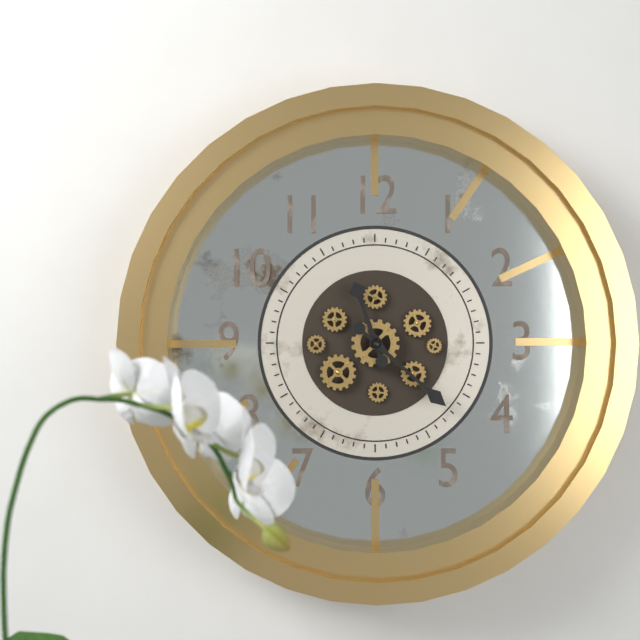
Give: 11h22
